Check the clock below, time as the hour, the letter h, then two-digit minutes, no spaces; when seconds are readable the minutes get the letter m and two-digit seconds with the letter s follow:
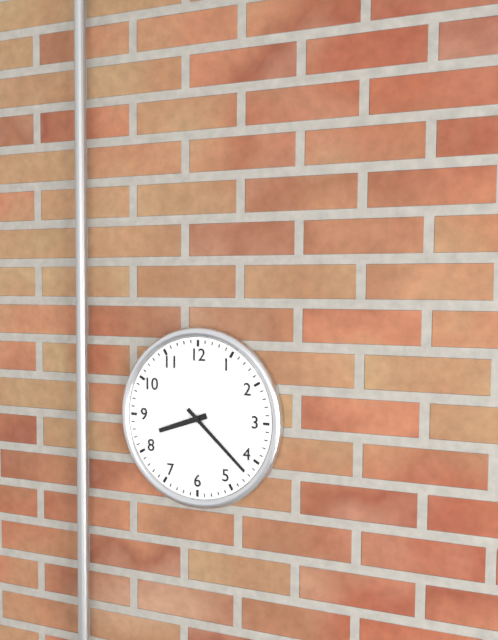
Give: 8h22
